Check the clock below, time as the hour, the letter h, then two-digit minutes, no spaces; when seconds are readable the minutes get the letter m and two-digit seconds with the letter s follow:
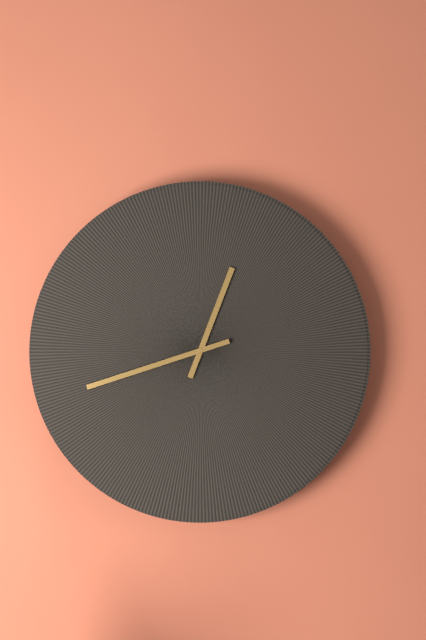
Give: 12h42
